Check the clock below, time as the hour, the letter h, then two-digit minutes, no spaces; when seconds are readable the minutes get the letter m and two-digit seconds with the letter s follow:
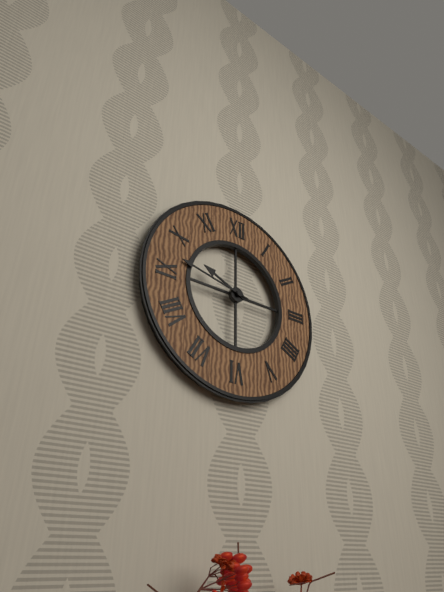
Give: 9h47
